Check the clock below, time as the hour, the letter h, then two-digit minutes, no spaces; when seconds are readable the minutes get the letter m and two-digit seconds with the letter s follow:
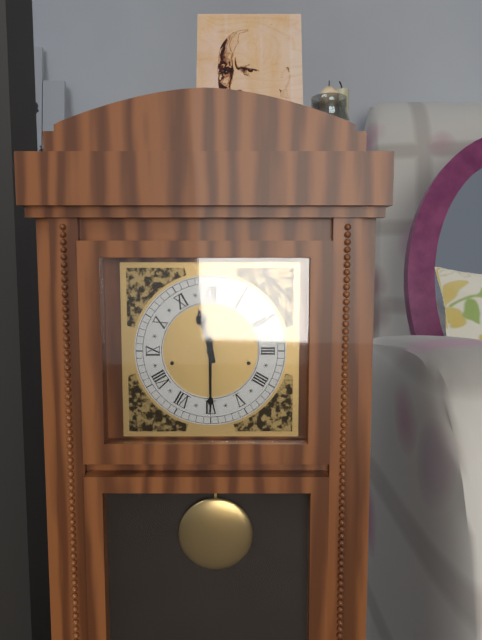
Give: 11h30
